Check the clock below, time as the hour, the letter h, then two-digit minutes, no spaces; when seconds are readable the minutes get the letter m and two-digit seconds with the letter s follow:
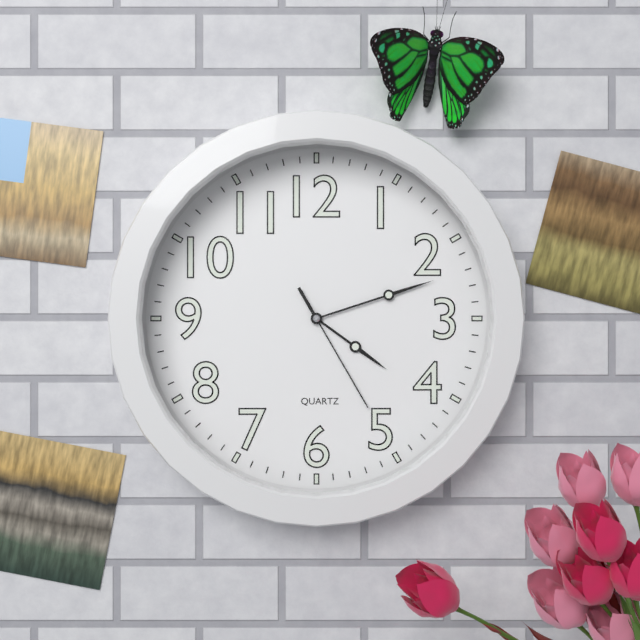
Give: 4h12m25s
